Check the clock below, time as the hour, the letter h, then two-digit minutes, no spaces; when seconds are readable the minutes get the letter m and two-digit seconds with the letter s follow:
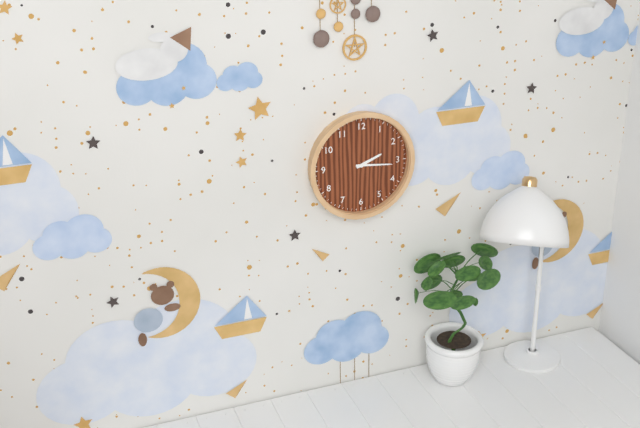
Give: 2h16
